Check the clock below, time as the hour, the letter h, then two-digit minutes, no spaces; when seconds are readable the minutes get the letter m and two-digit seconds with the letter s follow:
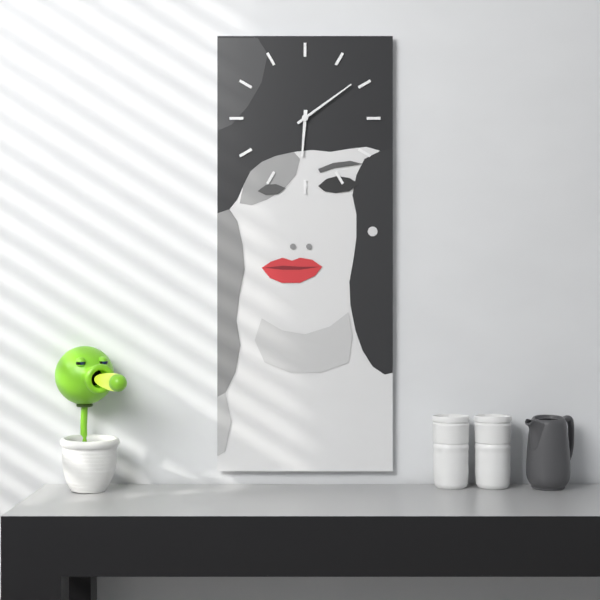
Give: 6h09
